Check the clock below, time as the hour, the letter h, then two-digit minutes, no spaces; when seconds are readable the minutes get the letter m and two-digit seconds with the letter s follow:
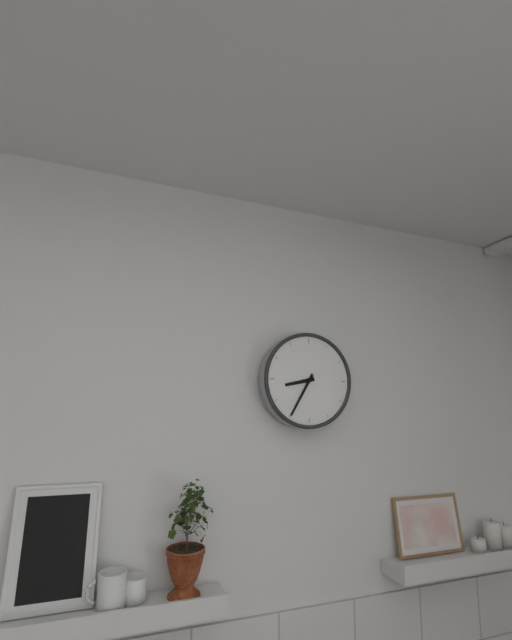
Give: 8h35
